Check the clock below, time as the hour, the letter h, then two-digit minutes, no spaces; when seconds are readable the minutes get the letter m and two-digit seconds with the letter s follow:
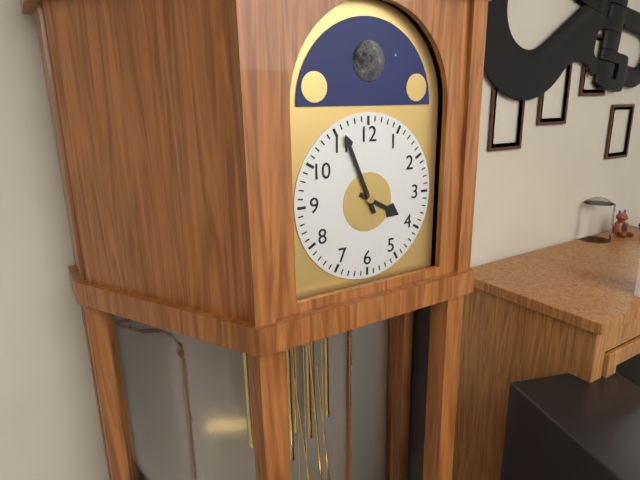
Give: 3h56
